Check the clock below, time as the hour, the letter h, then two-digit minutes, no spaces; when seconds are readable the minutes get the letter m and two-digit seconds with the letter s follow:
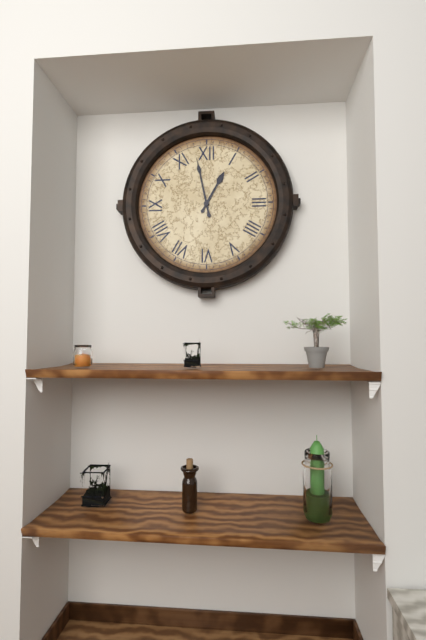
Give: 12h58
